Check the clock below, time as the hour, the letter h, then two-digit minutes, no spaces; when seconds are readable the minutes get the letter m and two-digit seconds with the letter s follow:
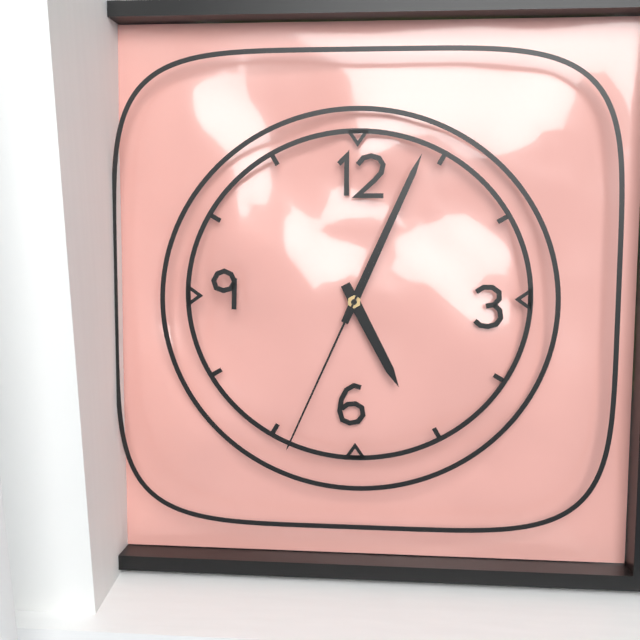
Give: 5h04m34s
